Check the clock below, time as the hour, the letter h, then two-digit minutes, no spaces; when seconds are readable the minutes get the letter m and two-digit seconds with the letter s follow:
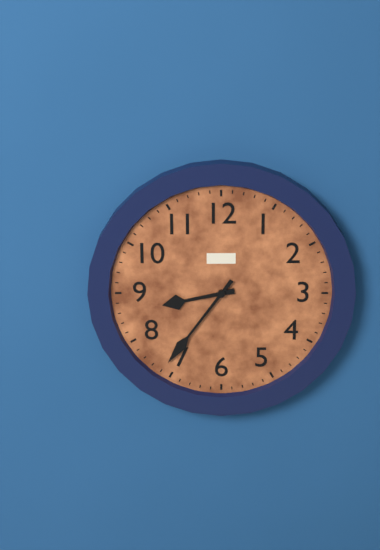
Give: 8h36
